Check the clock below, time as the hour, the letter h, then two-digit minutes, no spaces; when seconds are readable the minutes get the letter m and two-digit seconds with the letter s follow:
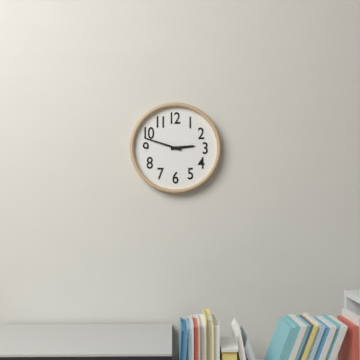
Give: 2h48
